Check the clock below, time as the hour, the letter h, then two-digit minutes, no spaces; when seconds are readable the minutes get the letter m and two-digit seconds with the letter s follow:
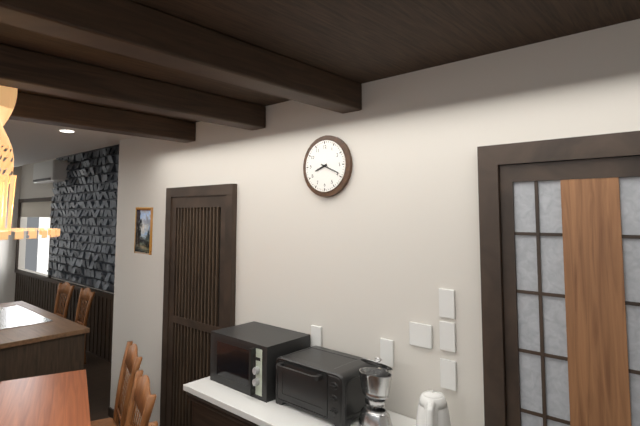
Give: 8h19
